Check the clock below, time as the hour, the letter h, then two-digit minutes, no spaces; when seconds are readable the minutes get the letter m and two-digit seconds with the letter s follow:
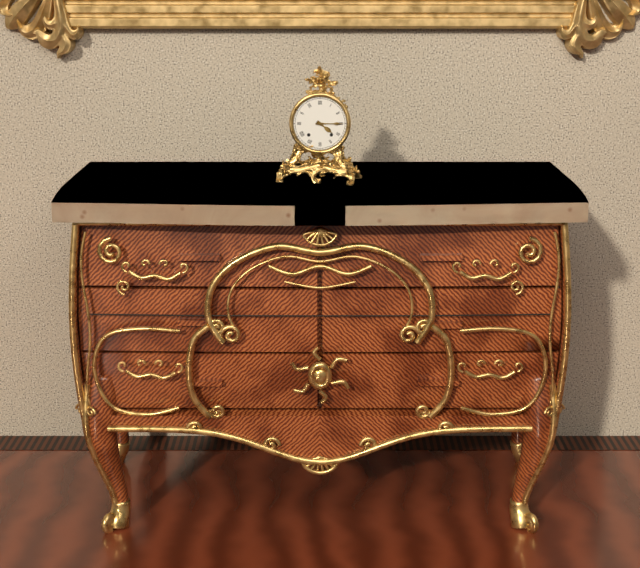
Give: 4h15
